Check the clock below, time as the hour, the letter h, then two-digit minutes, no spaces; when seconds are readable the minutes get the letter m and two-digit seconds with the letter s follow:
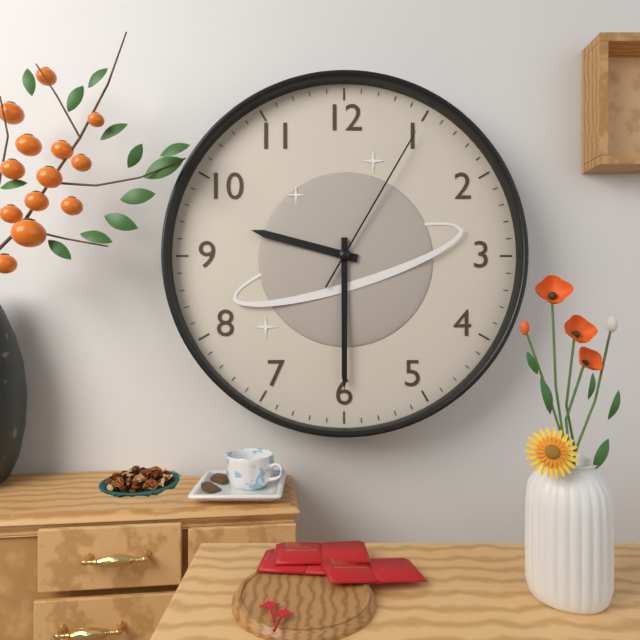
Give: 9h30m05s
